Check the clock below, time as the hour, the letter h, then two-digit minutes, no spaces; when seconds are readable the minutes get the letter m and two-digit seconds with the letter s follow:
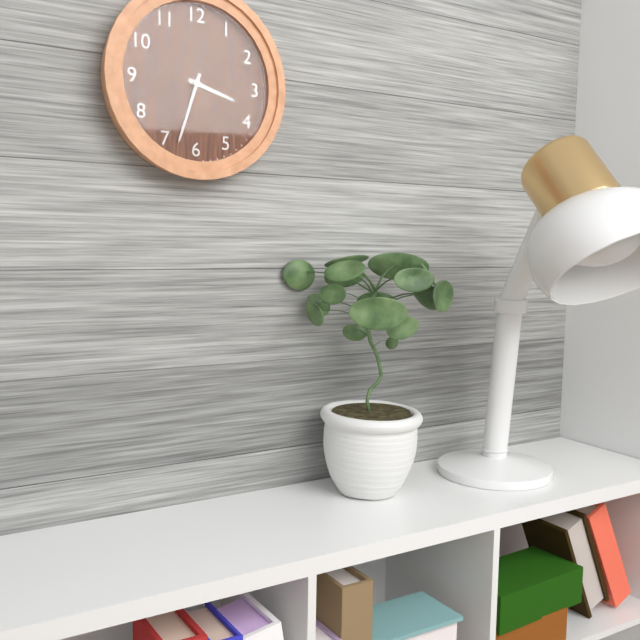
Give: 3h33
